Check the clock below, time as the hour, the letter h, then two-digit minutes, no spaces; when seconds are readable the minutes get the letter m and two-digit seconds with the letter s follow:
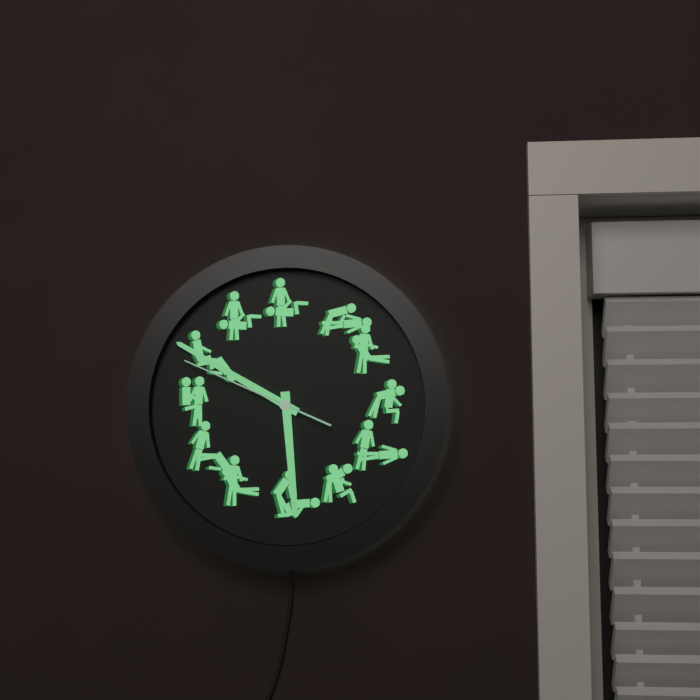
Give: 5h50m49s
